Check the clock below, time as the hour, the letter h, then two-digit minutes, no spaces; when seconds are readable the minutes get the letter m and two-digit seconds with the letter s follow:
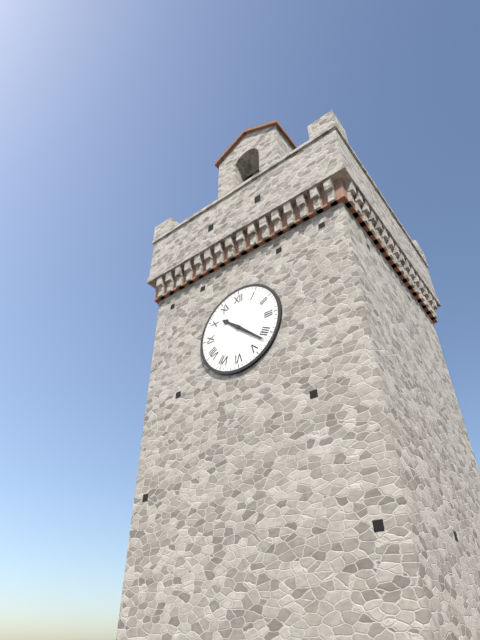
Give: 10h22
